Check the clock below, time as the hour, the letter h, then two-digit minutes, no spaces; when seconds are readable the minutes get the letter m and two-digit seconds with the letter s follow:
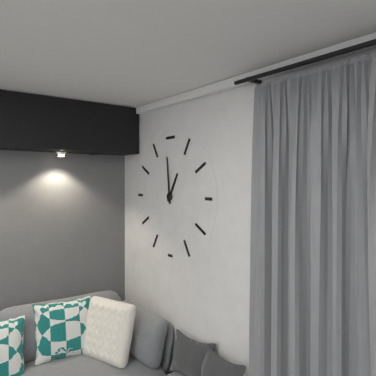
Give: 12h59
